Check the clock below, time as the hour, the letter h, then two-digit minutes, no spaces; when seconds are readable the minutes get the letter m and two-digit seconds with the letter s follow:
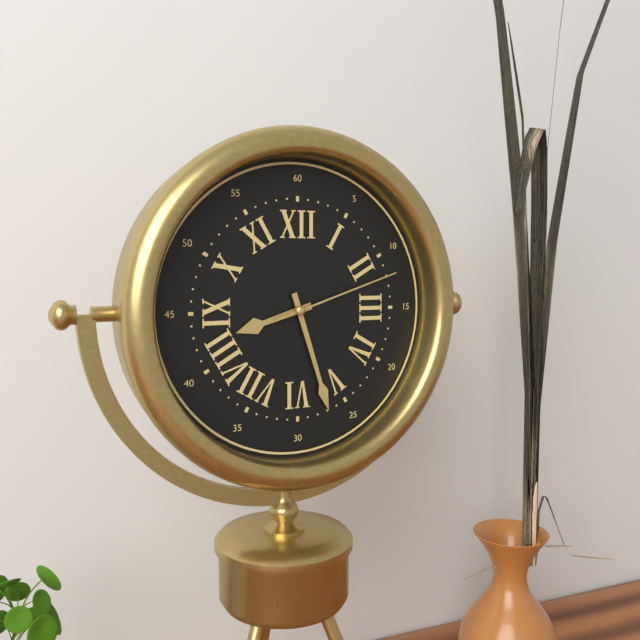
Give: 8h27m12s
